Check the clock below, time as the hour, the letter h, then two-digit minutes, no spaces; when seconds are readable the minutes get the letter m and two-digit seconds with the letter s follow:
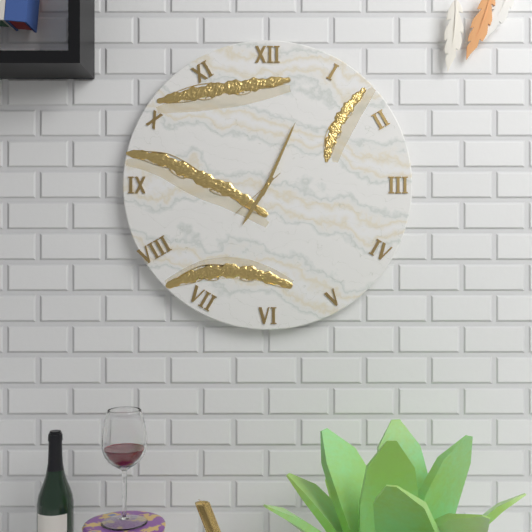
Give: 7h04m38s
